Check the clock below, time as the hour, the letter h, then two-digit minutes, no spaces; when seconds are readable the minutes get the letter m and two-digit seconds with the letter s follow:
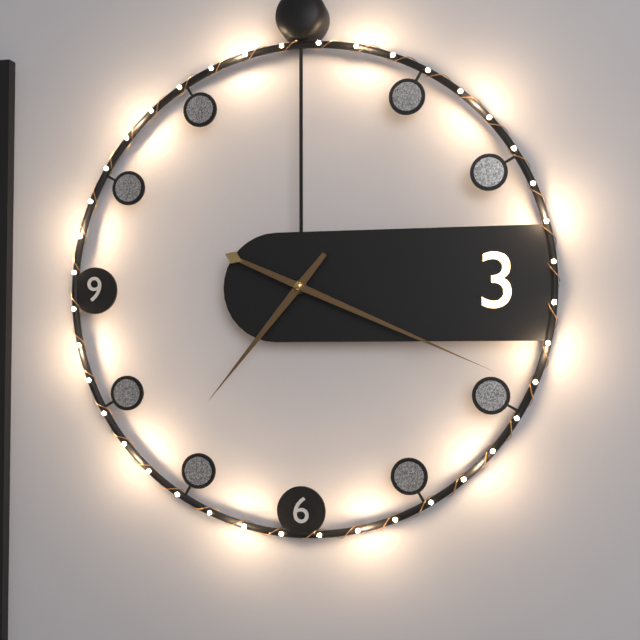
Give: 7h19
